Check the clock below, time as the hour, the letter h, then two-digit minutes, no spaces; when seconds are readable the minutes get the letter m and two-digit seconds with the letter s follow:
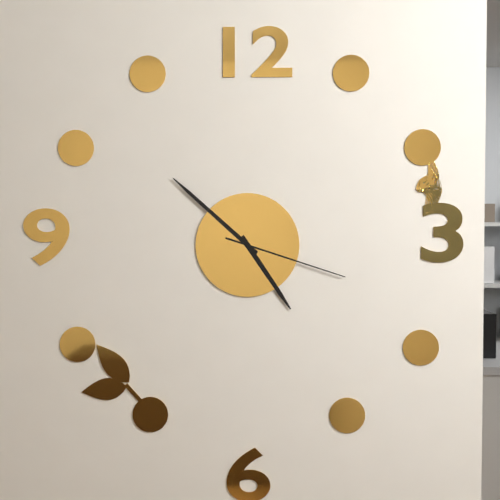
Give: 4h52m18s
